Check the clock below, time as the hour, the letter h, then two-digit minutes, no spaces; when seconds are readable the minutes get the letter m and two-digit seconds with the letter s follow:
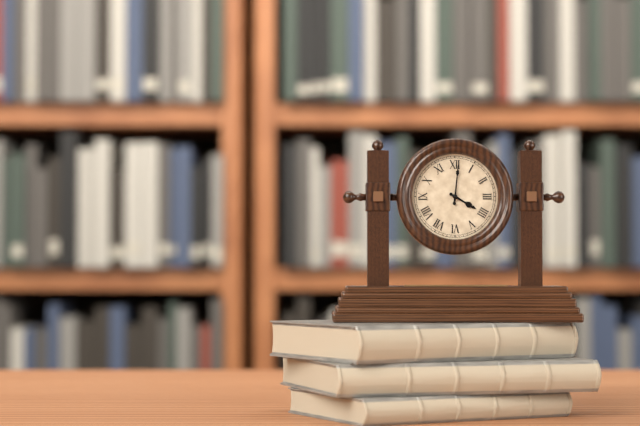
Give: 4h01
